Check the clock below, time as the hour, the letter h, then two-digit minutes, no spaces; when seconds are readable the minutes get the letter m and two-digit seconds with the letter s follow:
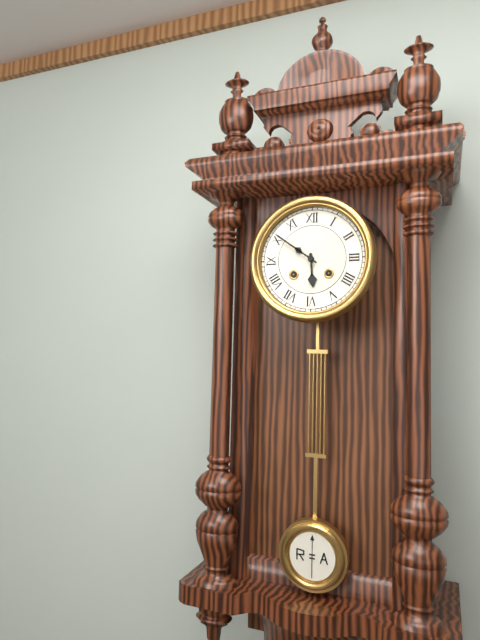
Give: 5h51
